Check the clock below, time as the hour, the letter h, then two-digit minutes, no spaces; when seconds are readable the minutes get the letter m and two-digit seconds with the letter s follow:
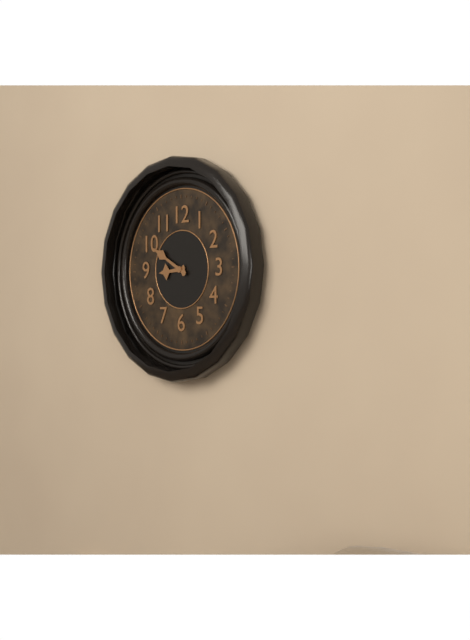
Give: 8h50
